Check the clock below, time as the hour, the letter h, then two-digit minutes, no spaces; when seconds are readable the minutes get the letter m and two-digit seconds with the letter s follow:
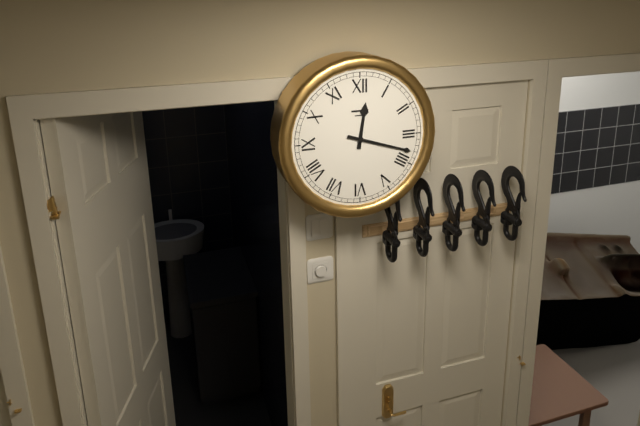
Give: 12h18
